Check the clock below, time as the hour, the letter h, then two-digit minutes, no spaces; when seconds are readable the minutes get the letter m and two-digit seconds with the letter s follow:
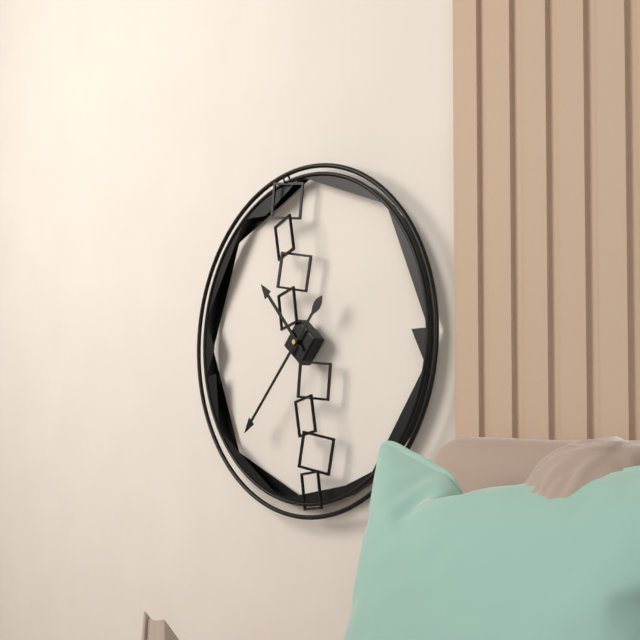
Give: 10h37
